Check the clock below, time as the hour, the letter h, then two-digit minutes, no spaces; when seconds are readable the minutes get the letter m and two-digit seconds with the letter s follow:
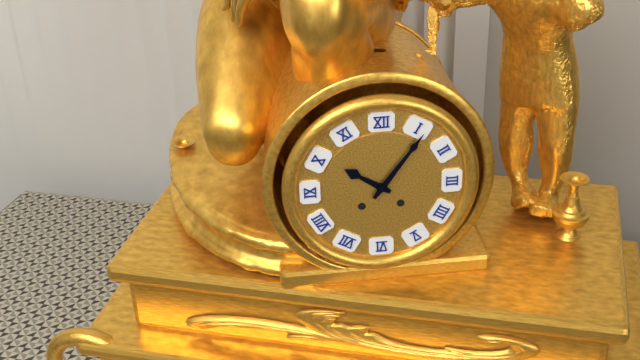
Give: 10h06
